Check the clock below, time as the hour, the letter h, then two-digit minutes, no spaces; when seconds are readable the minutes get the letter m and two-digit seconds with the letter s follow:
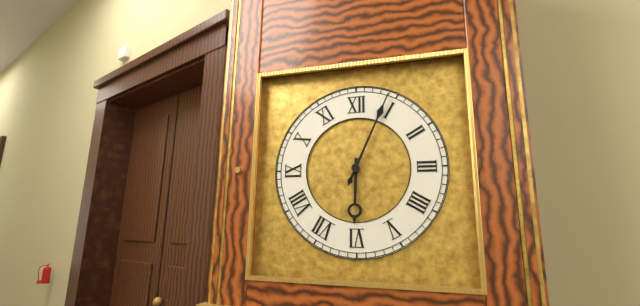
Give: 6h04
